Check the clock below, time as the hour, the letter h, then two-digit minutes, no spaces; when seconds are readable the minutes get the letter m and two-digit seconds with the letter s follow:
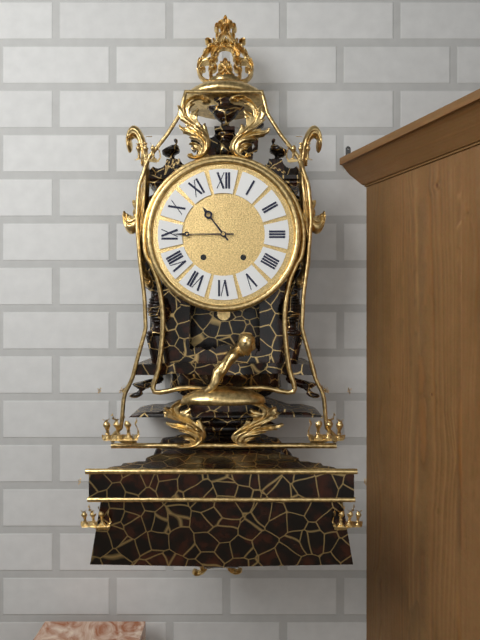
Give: 10h45
